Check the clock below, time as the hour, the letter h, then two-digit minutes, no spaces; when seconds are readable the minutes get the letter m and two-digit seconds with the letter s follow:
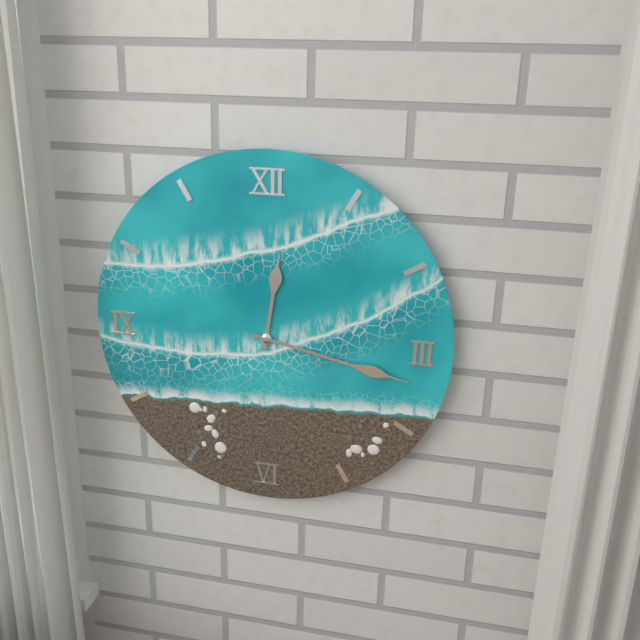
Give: 12h17
